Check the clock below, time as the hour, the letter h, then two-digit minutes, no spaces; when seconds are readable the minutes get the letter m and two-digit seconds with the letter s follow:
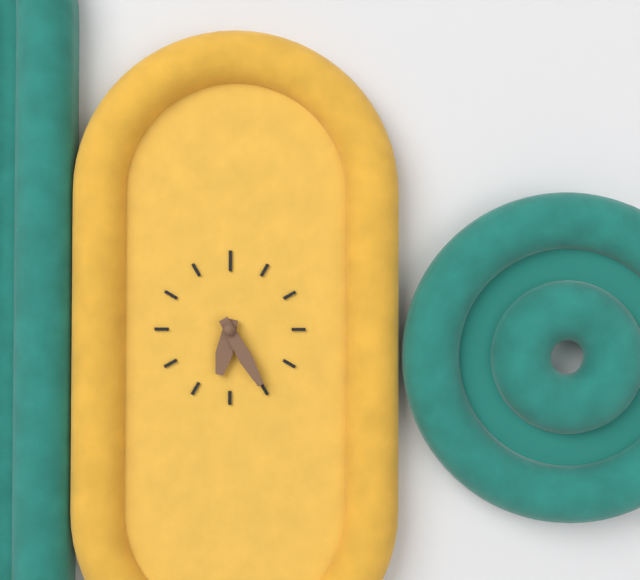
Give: 6h25
